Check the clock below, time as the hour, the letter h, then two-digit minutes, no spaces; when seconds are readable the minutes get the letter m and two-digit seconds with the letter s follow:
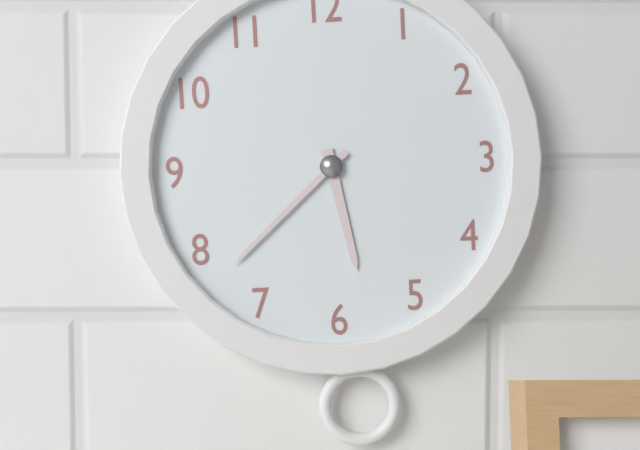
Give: 5h38
